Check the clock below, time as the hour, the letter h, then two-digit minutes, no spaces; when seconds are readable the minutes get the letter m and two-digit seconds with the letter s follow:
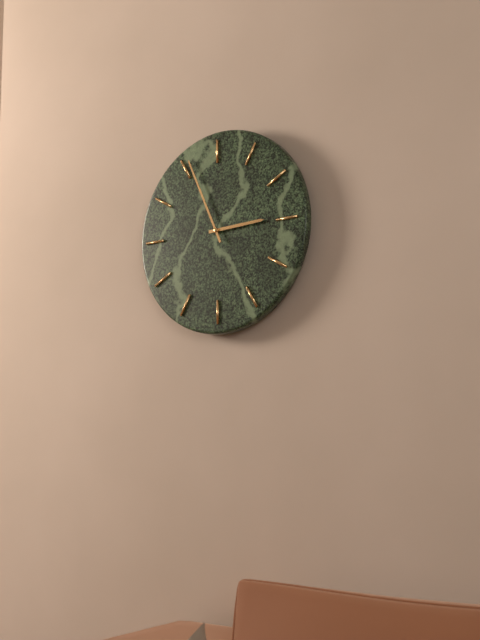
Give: 2h56
